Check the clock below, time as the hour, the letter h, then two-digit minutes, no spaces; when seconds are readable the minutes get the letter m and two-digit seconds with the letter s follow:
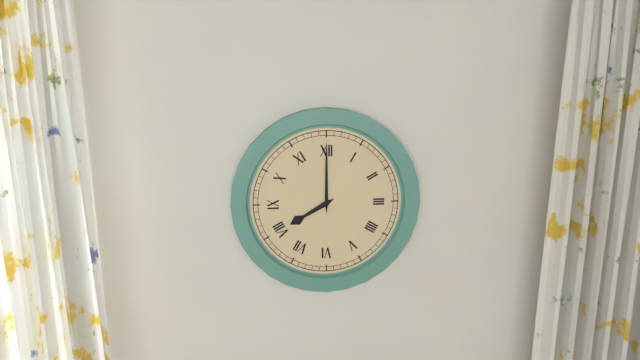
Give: 8h00
